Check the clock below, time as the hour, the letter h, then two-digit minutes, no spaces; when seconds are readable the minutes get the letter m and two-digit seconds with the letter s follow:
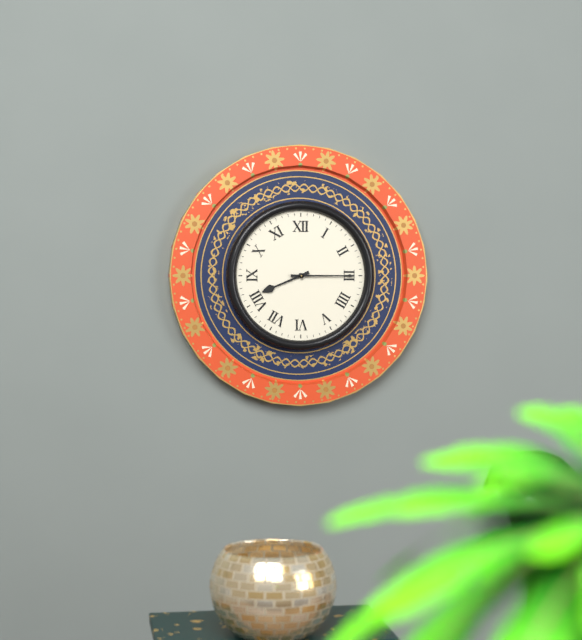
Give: 8h15
